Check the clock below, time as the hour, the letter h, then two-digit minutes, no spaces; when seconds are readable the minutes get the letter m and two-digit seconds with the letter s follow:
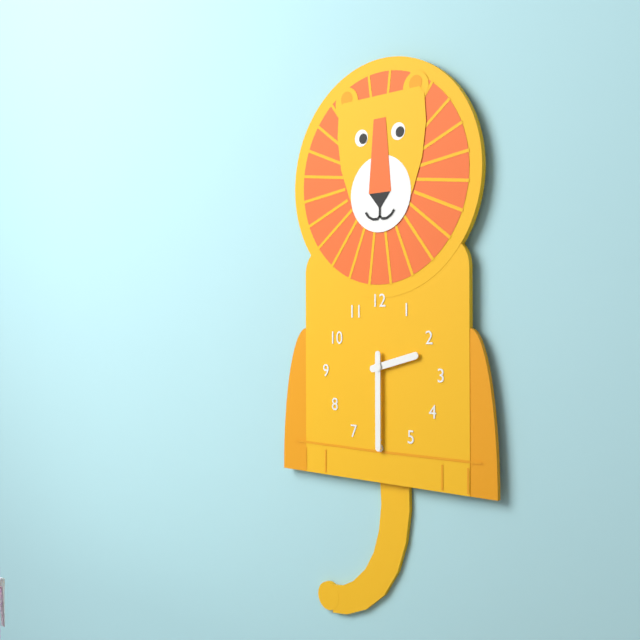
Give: 2h30
